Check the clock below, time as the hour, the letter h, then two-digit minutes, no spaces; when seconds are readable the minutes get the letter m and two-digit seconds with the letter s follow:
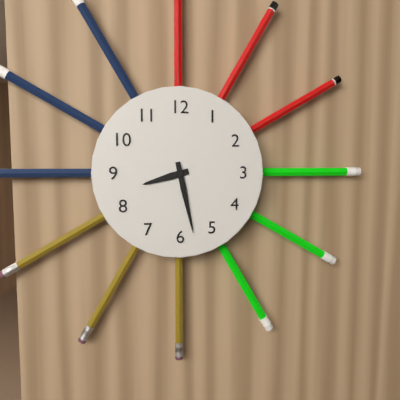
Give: 8h28
